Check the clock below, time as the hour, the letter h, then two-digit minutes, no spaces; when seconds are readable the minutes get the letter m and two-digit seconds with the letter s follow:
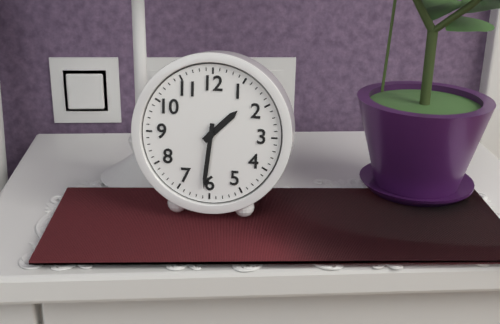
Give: 1h31
